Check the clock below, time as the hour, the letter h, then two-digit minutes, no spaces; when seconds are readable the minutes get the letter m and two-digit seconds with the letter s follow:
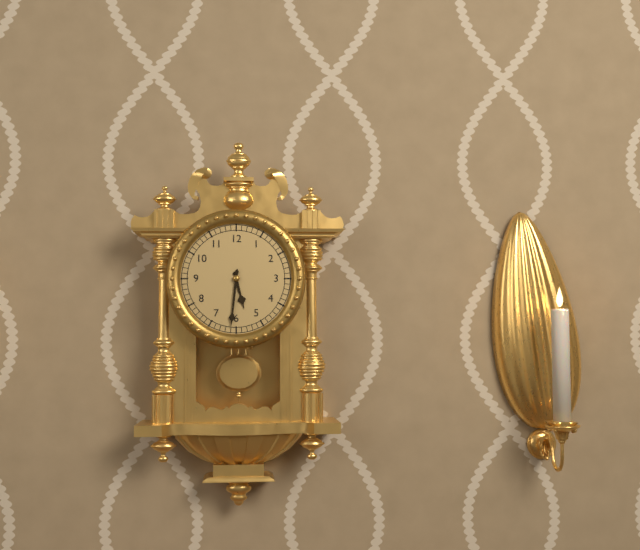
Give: 5h31
